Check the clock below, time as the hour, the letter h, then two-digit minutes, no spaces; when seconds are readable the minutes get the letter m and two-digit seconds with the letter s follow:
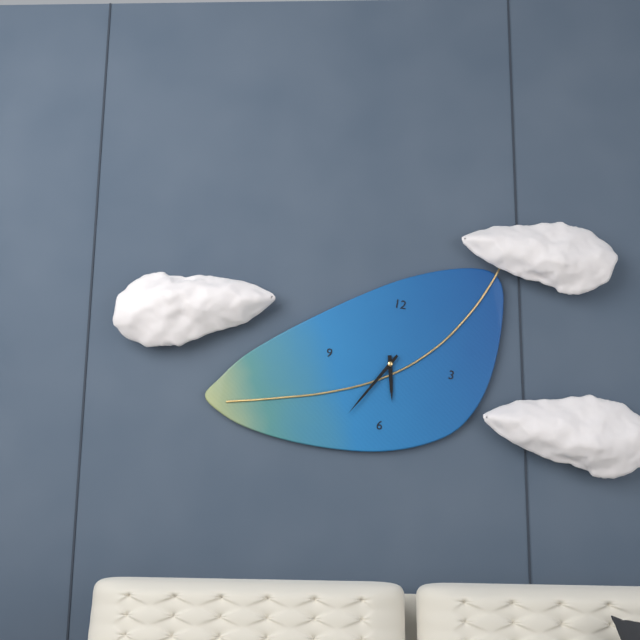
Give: 5h35
